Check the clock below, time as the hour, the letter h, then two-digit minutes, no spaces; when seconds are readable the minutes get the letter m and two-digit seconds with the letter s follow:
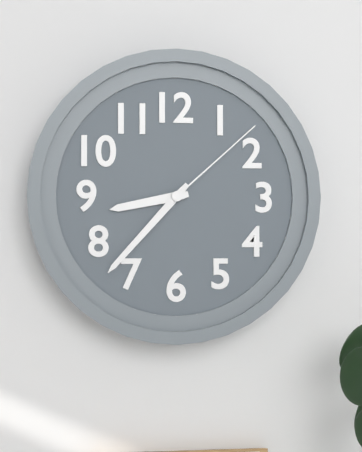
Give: 8h37m08s
